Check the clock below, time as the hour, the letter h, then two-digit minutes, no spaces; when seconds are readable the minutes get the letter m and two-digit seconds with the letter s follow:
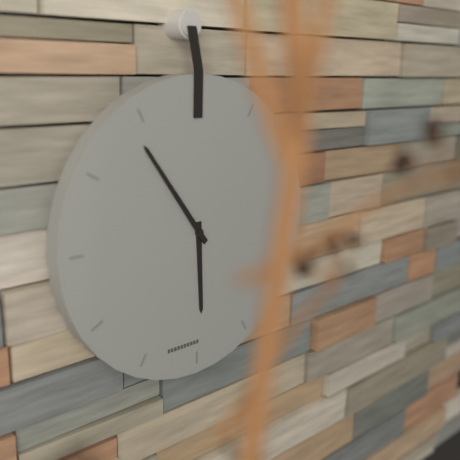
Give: 5h54
